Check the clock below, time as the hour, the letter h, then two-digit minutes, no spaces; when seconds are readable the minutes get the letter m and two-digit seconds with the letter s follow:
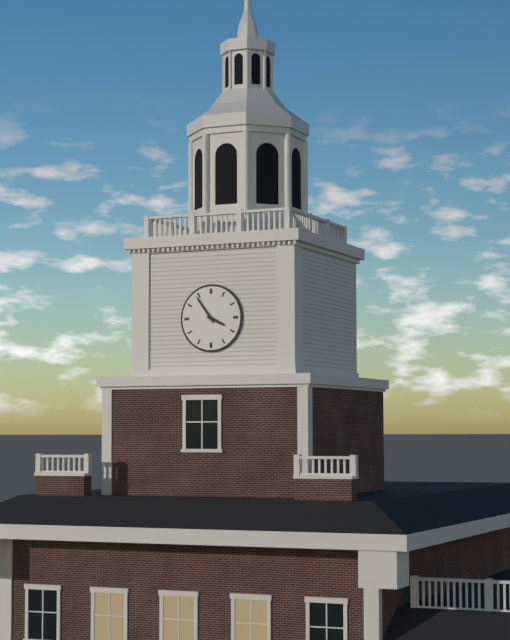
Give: 3h54
